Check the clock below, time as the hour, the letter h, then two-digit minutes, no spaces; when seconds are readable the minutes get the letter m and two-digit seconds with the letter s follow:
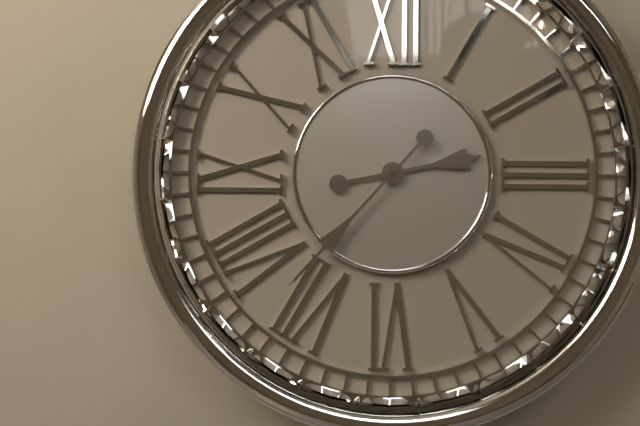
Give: 2h37
